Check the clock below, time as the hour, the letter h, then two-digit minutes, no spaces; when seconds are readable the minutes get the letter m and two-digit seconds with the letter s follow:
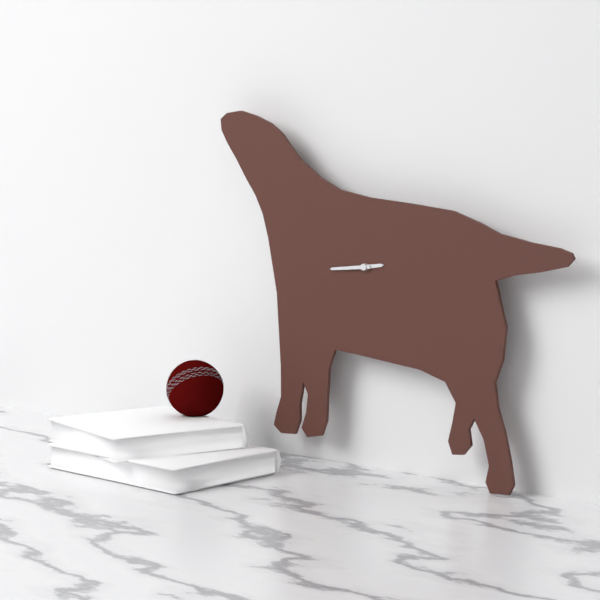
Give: 2h44
